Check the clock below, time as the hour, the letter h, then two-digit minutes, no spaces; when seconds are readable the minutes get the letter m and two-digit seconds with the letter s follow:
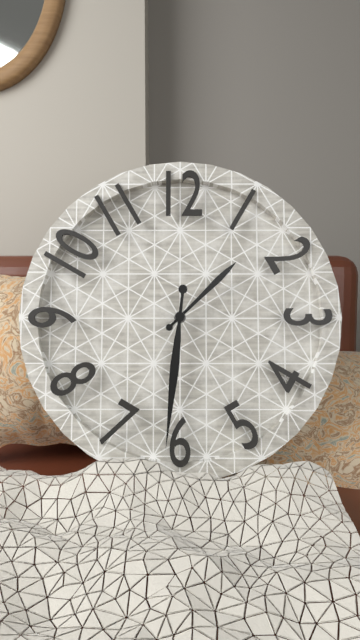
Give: 1h31
